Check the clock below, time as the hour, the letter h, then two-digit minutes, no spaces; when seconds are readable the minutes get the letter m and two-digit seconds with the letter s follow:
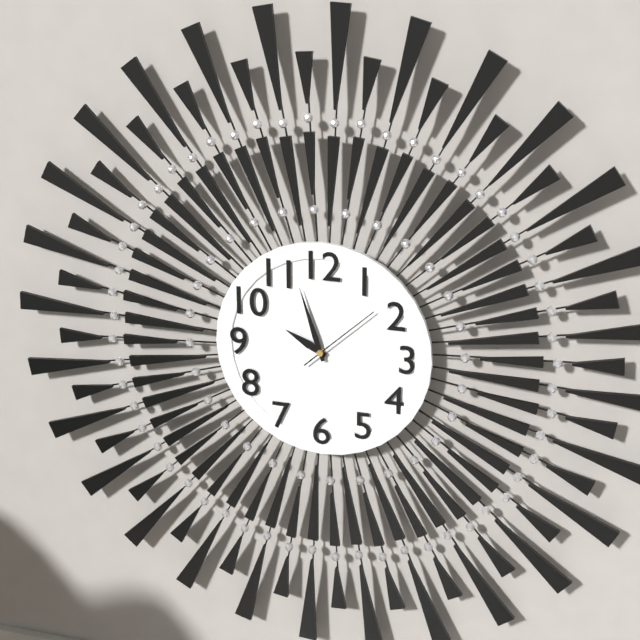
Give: 9h57m08s
